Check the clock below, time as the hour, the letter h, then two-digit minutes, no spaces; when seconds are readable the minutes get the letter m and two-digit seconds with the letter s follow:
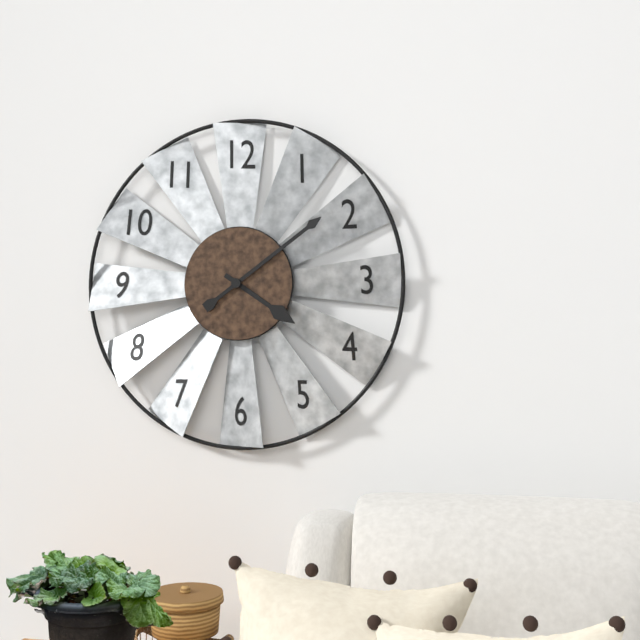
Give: 4h09
